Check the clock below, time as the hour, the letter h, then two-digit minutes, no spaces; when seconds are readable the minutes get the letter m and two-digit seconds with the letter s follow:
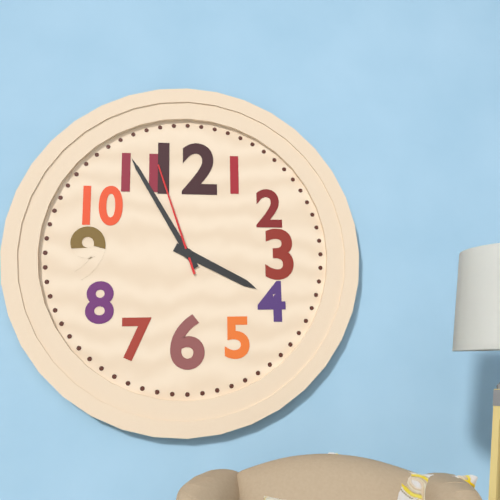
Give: 3h55m57s
